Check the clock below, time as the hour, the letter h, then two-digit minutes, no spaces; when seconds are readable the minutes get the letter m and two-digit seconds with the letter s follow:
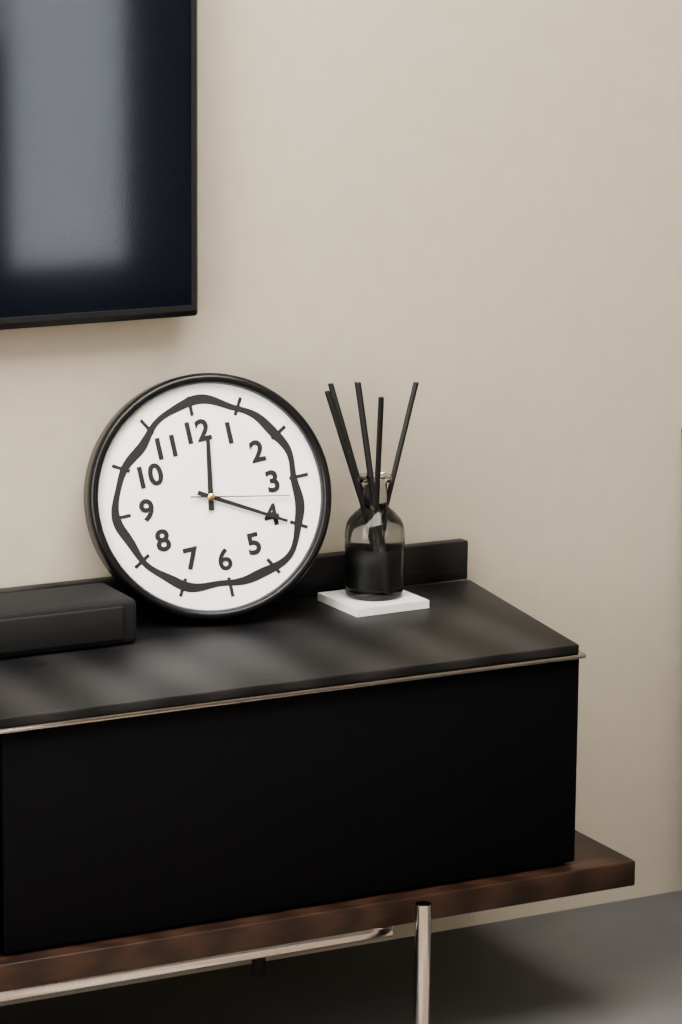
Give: 12h20m17s
